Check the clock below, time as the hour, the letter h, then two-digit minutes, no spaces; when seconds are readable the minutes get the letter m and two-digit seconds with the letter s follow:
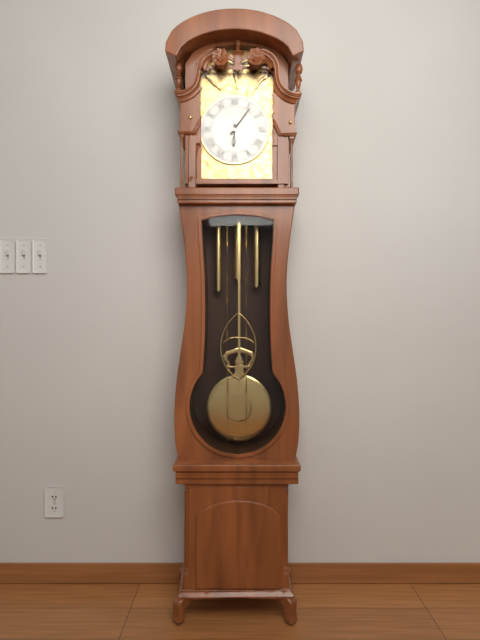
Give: 6h06
